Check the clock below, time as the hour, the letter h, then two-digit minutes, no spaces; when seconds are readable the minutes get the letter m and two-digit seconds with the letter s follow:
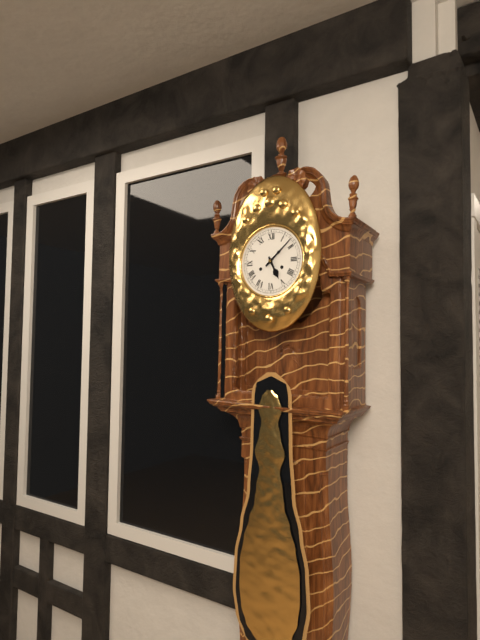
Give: 5h08
